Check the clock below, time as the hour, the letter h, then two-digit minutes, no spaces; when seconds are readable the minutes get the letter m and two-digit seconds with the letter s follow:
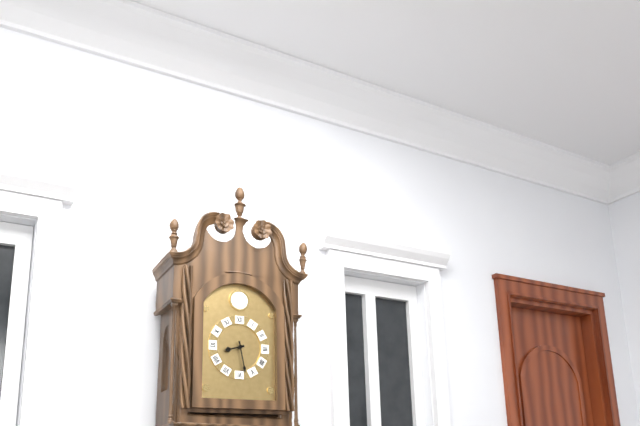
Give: 8h28
